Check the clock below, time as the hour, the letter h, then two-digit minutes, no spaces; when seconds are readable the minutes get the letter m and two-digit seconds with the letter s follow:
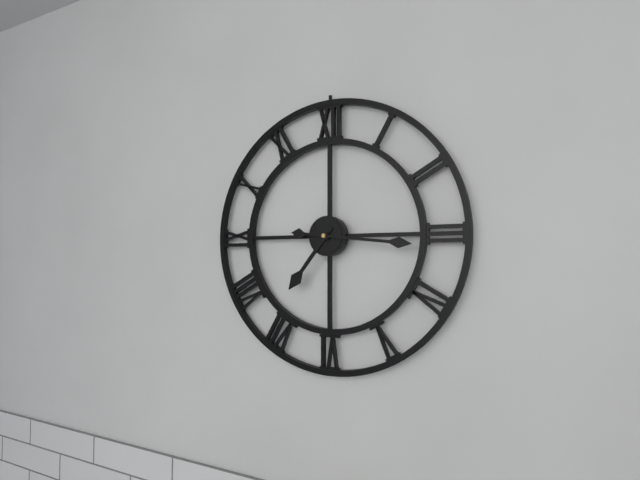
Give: 7h16
